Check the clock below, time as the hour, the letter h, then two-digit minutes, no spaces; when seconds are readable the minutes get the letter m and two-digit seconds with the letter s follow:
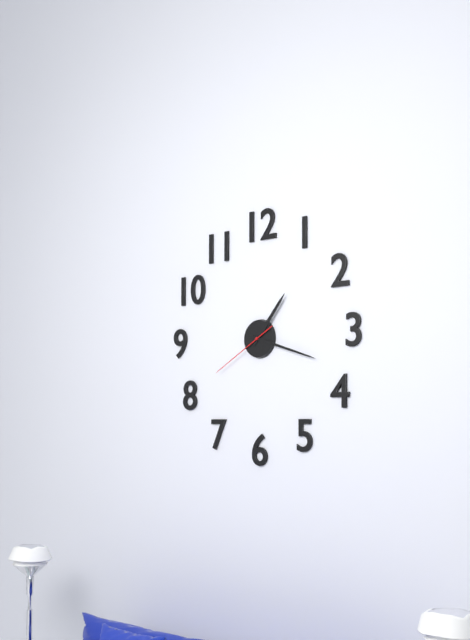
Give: 1h18m40s
